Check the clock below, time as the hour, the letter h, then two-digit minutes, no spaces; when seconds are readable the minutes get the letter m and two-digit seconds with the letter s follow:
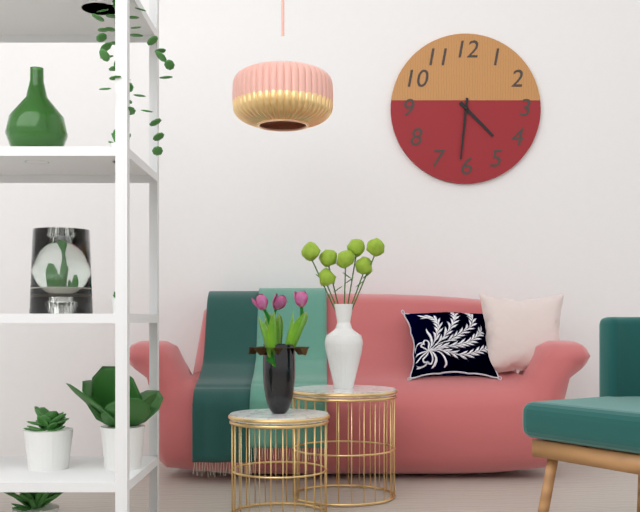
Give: 4h31
